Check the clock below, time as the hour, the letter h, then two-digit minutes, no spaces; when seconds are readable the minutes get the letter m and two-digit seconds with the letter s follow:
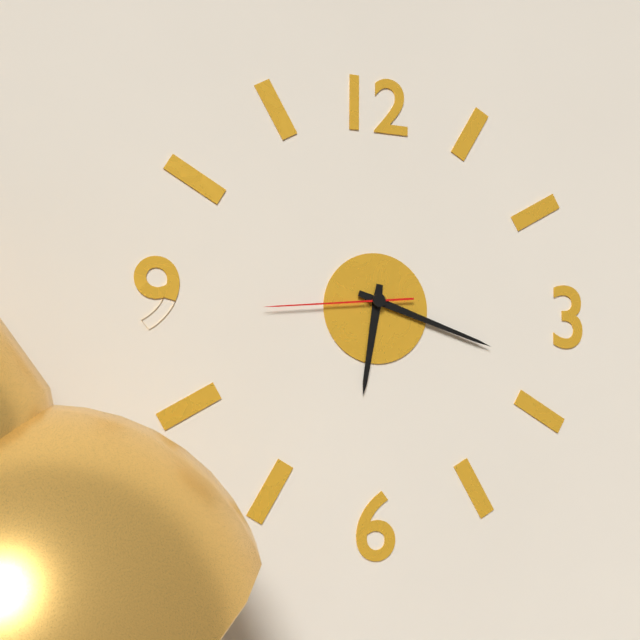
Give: 6h18m44s
